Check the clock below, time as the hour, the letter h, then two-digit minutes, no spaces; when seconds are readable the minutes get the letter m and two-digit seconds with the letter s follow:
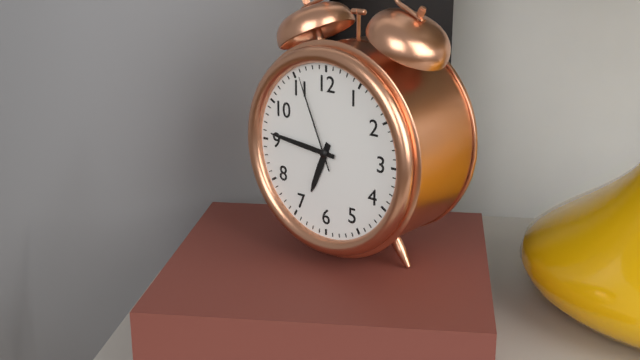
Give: 6h46m56s
